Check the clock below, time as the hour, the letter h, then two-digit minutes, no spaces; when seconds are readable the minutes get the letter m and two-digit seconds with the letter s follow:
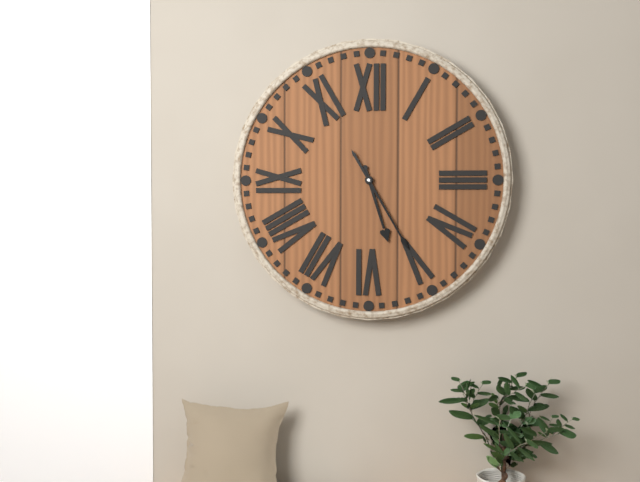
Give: 5h25
